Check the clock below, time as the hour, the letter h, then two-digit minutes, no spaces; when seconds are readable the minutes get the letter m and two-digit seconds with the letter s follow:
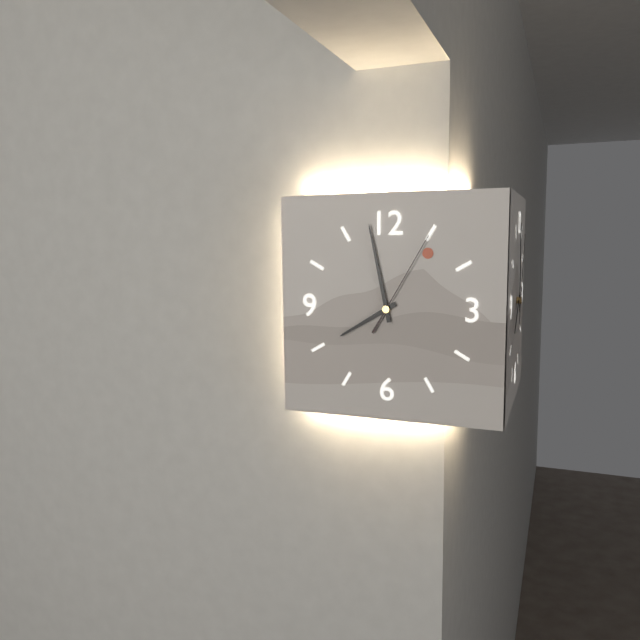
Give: 7h58m05s
